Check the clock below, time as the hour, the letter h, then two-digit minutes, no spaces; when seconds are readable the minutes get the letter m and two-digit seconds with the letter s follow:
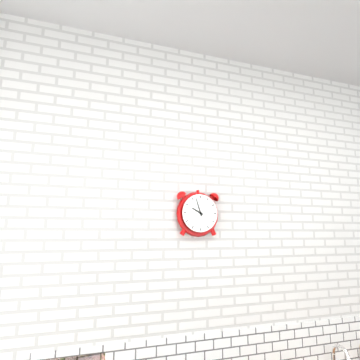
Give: 9h57
